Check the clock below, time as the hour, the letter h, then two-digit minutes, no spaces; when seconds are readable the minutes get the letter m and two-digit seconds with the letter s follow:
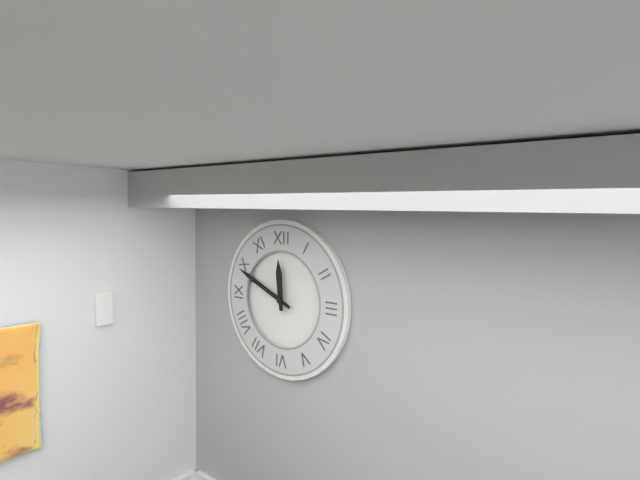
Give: 11h49
